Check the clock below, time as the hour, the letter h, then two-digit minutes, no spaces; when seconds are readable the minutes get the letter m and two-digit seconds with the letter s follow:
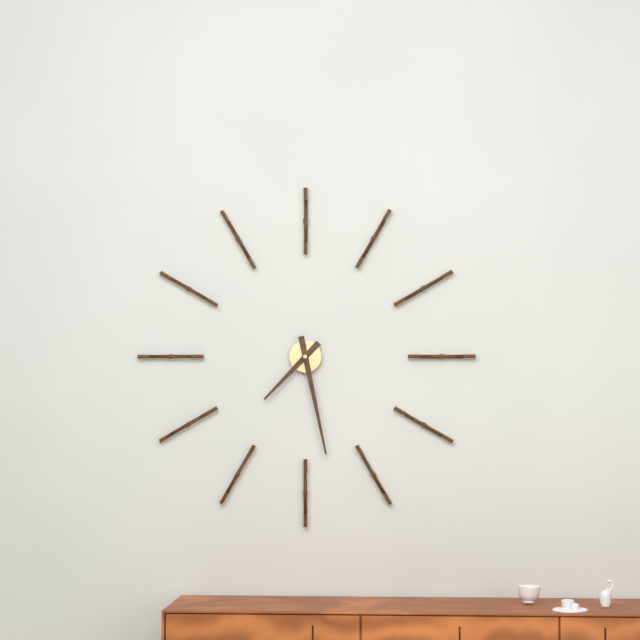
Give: 7h28
